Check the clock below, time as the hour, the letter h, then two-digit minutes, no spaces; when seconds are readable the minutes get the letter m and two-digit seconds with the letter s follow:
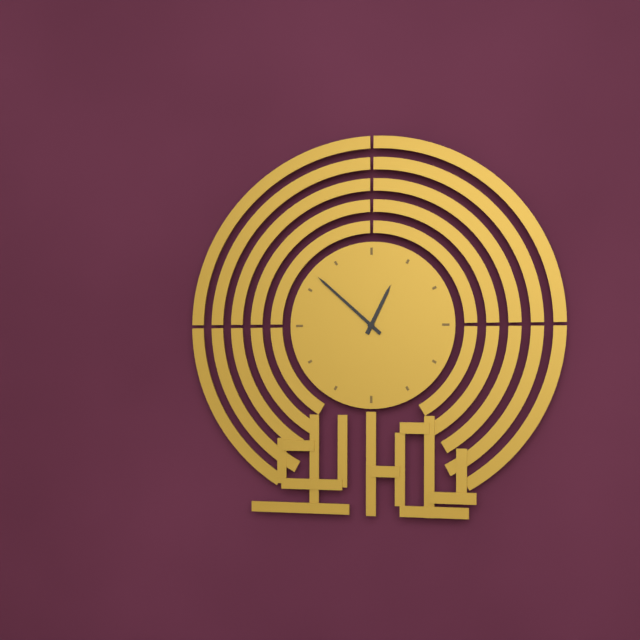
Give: 12h52
